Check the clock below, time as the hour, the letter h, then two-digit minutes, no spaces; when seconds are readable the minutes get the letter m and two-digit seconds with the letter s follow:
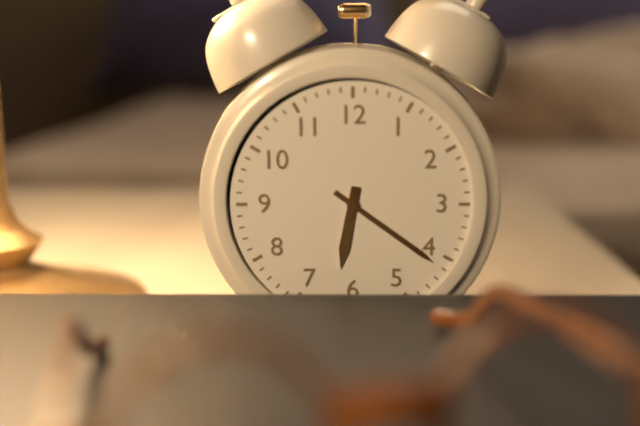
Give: 6h21
